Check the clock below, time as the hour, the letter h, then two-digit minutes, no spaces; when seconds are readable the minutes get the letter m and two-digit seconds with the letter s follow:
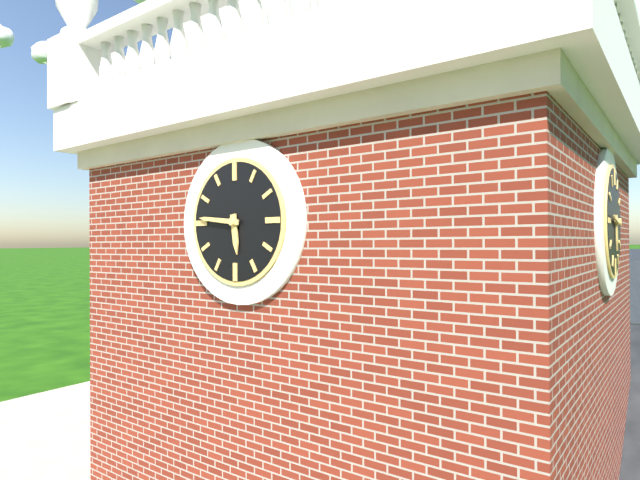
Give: 5h46
